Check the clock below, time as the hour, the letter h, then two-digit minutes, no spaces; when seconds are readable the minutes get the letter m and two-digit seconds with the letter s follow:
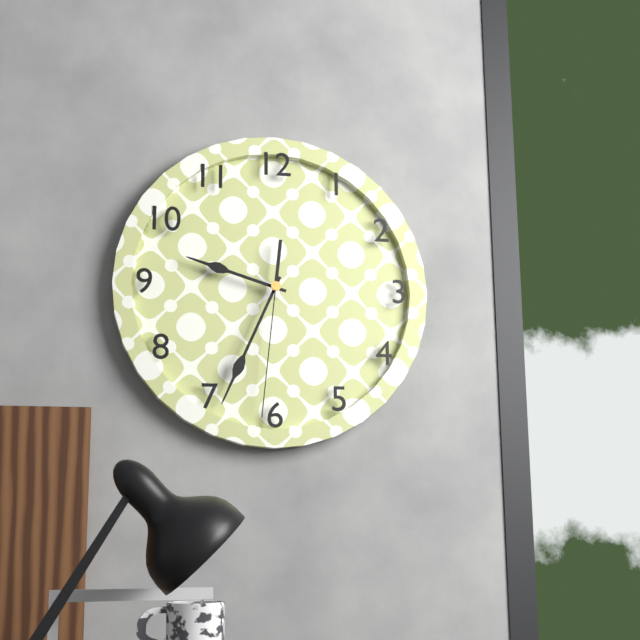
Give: 9h34m31s
